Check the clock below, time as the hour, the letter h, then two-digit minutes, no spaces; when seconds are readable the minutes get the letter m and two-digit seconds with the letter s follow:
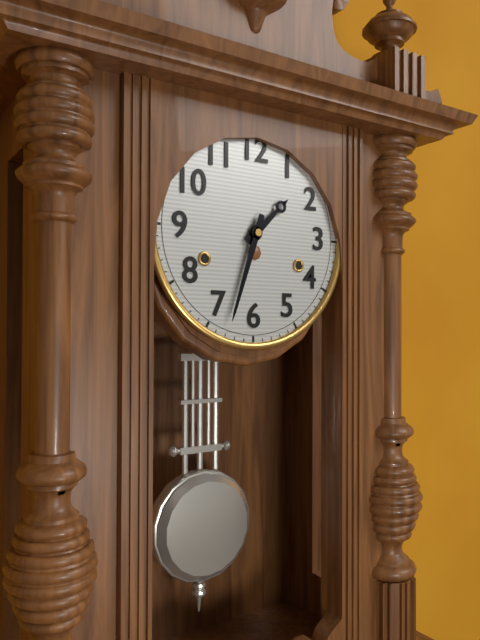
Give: 1h33
